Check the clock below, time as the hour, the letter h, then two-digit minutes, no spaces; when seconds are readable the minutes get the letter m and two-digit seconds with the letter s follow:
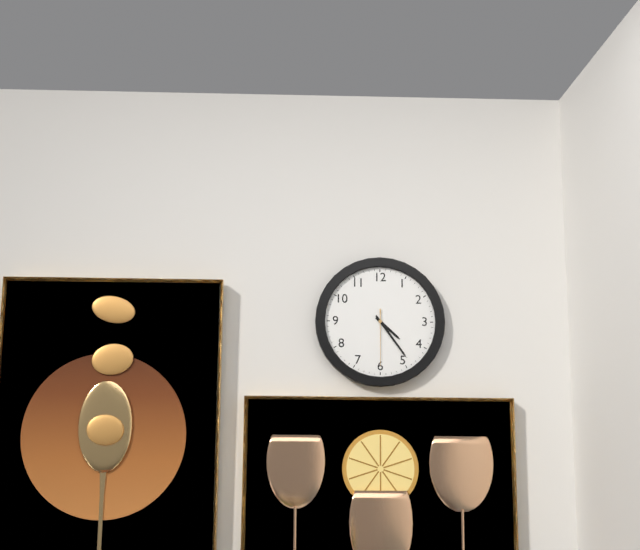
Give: 4h24m30s
